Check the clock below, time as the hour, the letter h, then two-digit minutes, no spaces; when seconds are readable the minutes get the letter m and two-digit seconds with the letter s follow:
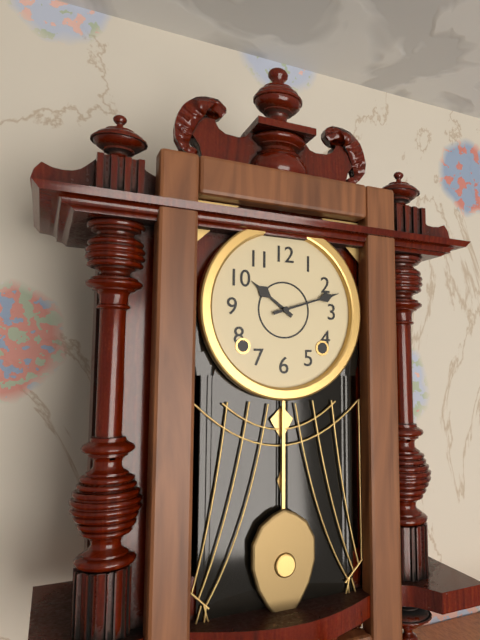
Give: 10h12
